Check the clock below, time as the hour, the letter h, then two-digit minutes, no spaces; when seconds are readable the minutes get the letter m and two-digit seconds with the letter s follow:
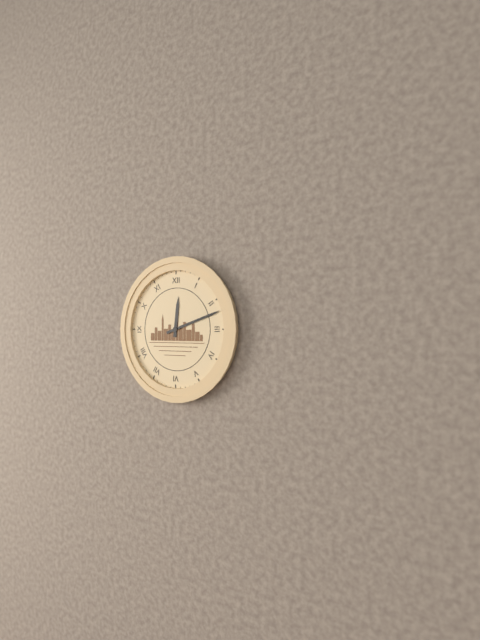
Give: 12h12
